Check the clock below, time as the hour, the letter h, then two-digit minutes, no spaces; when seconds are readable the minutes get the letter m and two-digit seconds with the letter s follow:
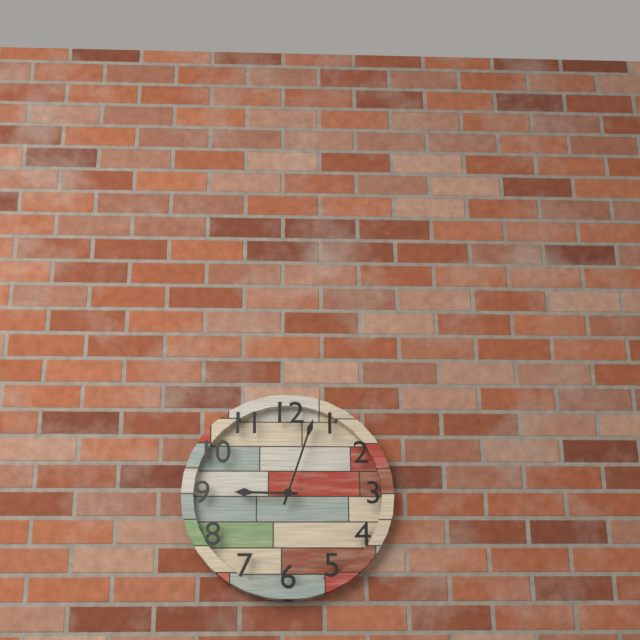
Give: 9h03
